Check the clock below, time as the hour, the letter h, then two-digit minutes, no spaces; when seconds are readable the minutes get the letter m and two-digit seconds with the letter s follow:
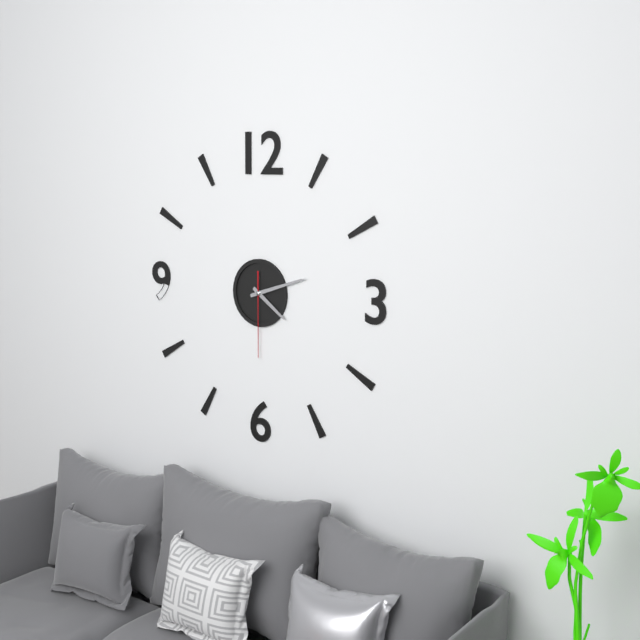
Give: 4h12m30s
